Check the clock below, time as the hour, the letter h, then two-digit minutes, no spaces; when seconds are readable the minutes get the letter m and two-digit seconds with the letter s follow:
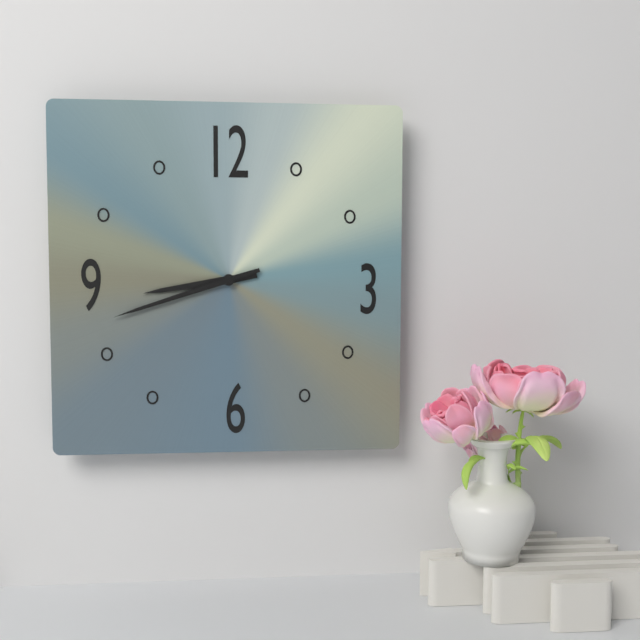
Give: 8h42
